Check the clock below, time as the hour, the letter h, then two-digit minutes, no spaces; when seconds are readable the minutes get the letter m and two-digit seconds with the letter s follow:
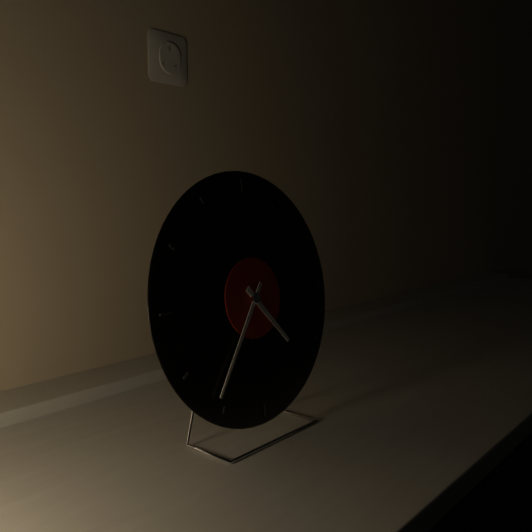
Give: 4h36
